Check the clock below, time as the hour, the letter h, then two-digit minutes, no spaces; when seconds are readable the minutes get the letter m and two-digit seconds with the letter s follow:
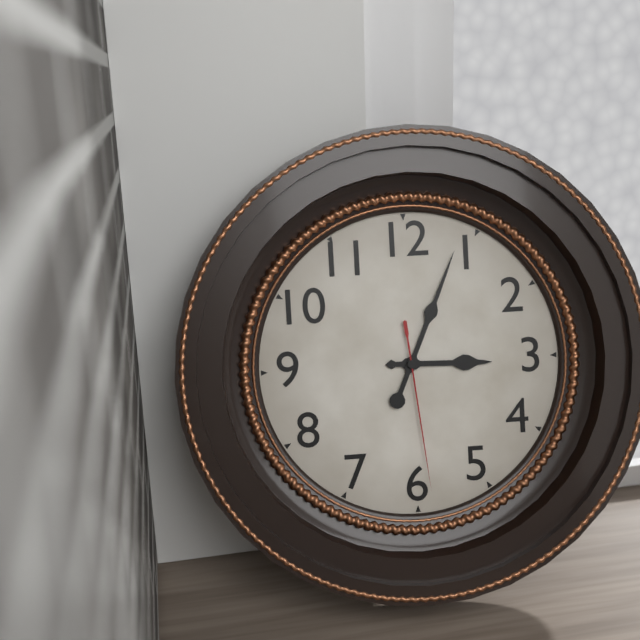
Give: 3h04m29s
